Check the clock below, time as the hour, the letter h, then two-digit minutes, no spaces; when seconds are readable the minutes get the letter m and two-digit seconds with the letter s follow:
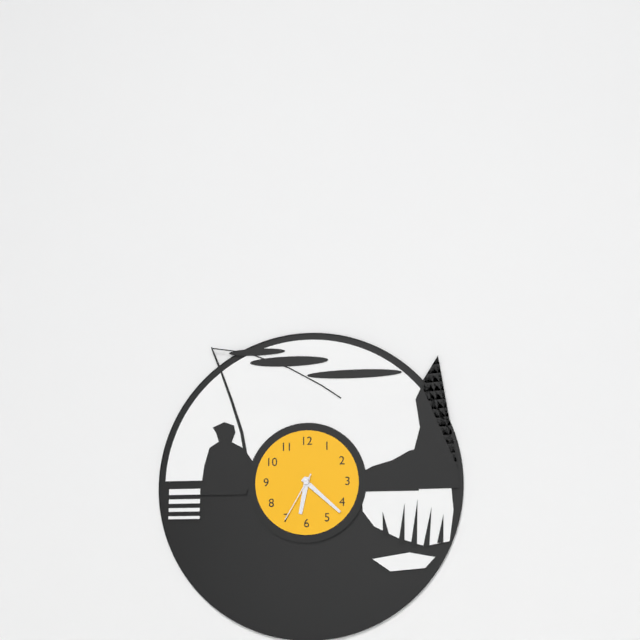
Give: 6h22m35s
